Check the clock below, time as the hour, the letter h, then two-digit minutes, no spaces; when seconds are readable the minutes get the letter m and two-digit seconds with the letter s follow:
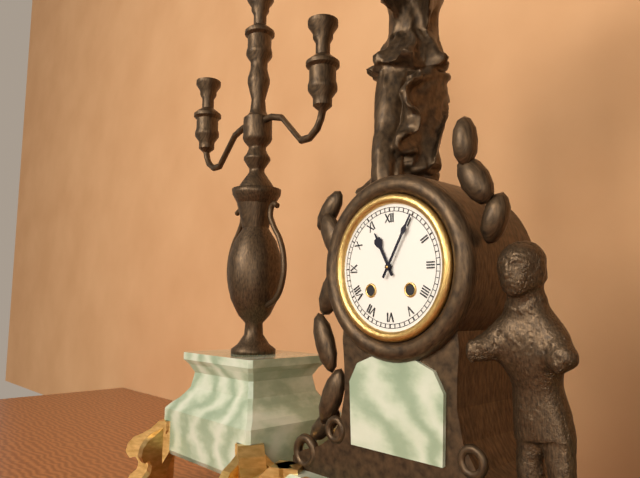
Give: 11h05
